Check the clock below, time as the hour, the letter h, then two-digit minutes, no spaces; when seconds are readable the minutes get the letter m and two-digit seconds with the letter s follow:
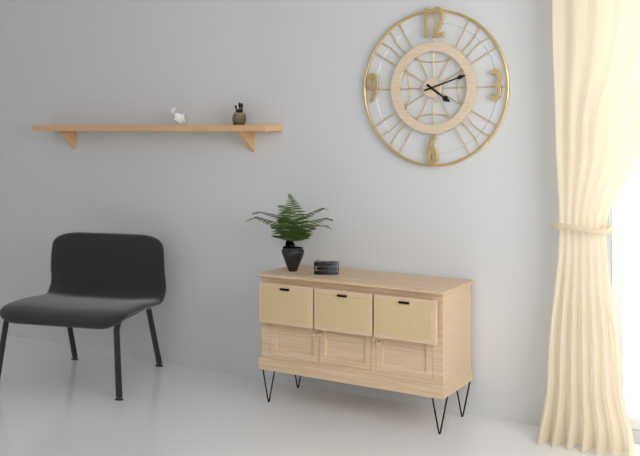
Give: 4h12
